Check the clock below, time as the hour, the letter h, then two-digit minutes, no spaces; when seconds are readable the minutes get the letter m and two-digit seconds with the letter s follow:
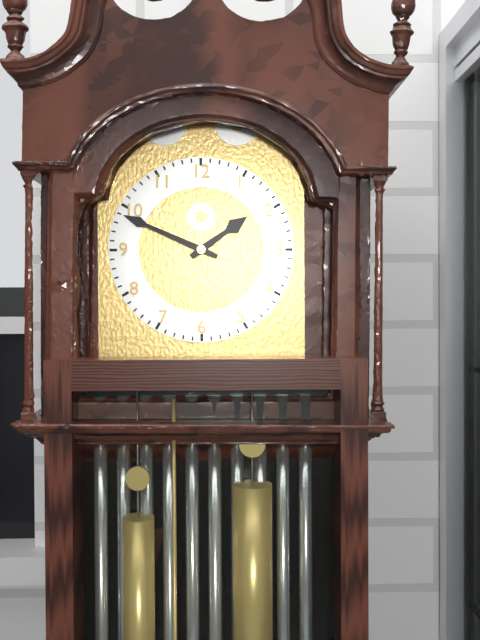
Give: 1h49
